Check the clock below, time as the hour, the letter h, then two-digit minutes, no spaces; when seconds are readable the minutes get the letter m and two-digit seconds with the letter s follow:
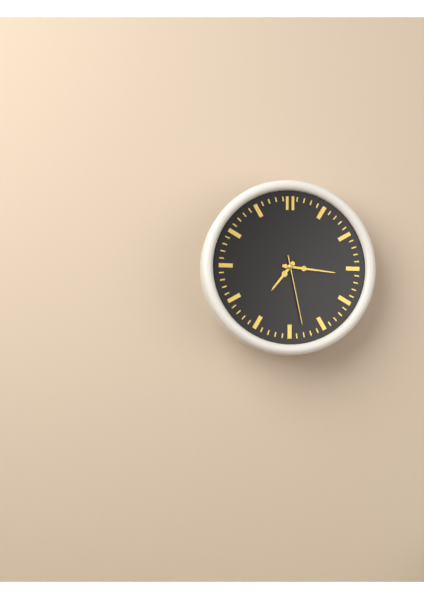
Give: 7h16m28s
